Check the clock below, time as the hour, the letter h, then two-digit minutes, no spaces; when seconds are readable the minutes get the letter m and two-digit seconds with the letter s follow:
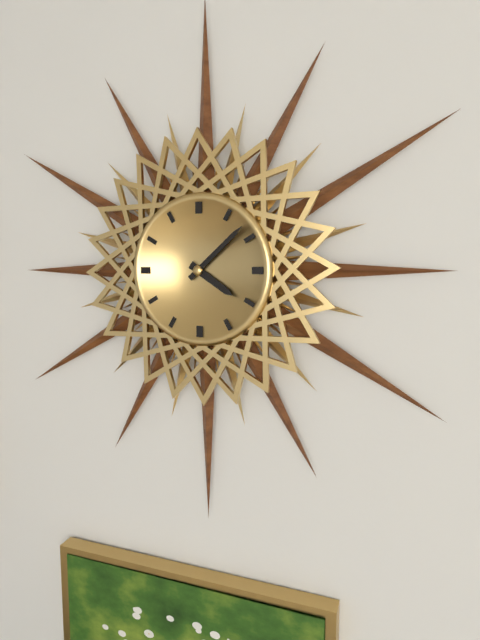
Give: 4h08
